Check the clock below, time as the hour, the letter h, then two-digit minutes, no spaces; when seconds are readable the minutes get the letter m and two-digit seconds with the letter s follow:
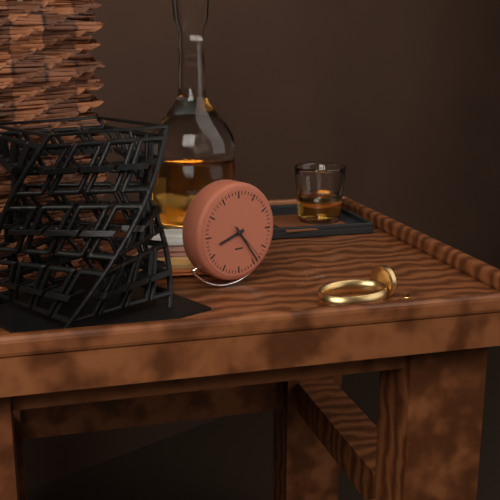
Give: 8h24
